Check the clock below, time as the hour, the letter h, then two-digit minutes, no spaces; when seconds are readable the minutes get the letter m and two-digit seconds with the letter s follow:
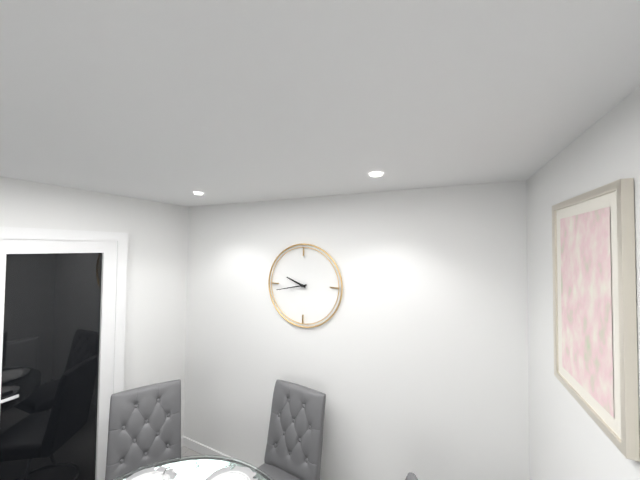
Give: 9h43
